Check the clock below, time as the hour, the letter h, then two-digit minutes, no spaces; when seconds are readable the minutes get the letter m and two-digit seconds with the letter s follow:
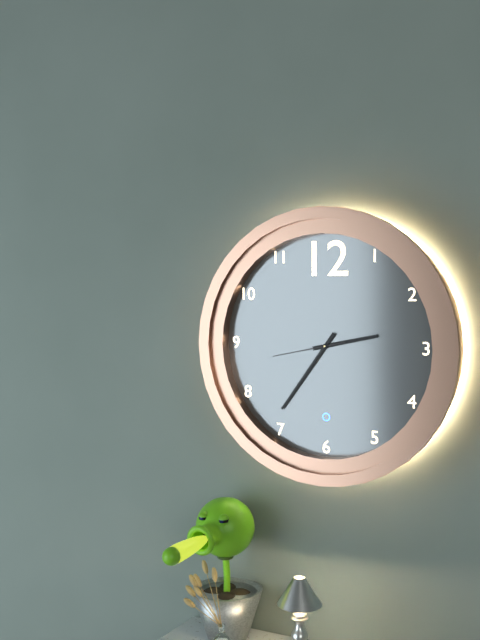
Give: 2h36m43s
